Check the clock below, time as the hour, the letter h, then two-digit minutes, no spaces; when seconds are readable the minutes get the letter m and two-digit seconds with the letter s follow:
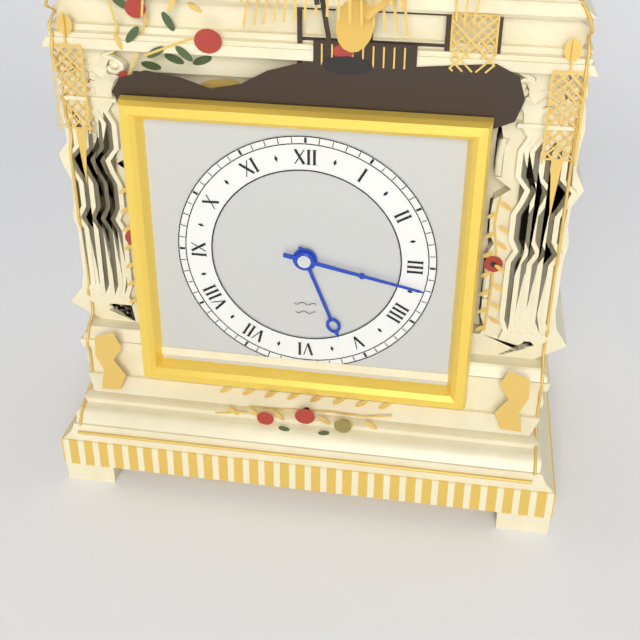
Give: 5h17
